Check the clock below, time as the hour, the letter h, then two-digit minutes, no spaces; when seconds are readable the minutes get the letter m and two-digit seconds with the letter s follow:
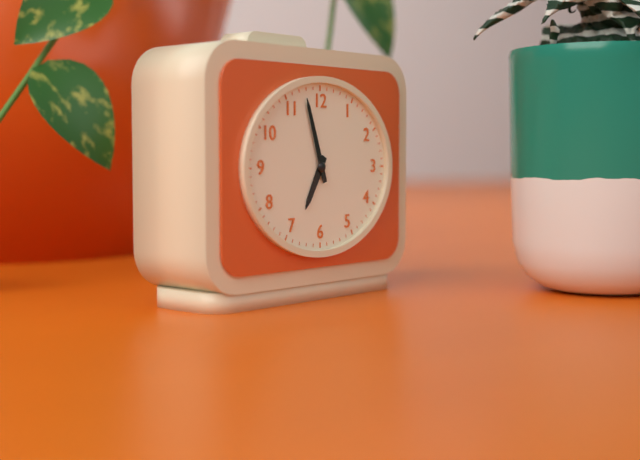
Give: 6h57
